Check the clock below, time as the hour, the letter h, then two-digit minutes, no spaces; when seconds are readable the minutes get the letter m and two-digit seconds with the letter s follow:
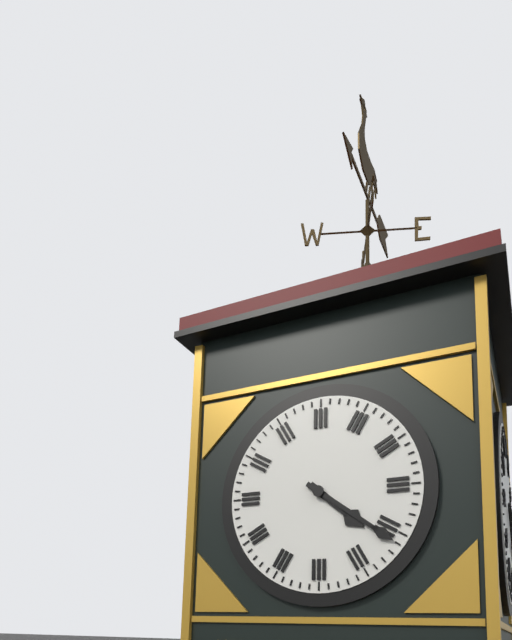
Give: 4h21
